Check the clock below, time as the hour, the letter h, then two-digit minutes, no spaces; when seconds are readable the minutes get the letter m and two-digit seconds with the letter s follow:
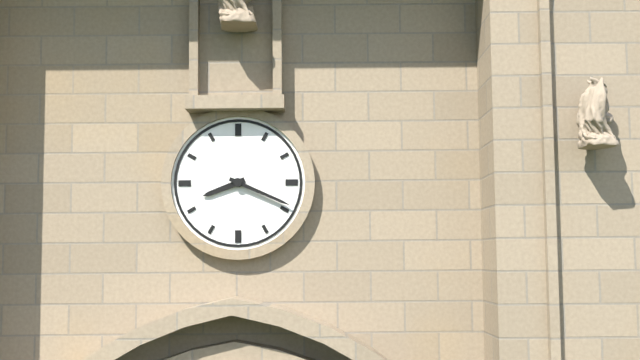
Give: 8h19
